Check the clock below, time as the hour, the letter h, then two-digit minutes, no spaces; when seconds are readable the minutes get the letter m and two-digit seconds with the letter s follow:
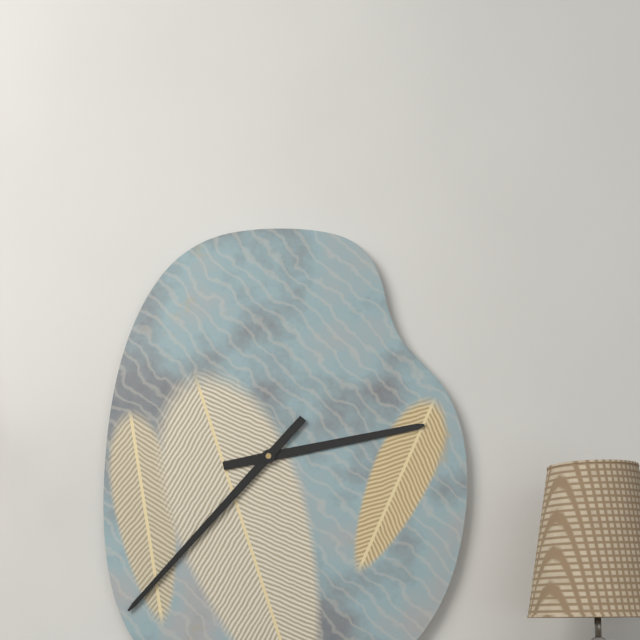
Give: 2h37
